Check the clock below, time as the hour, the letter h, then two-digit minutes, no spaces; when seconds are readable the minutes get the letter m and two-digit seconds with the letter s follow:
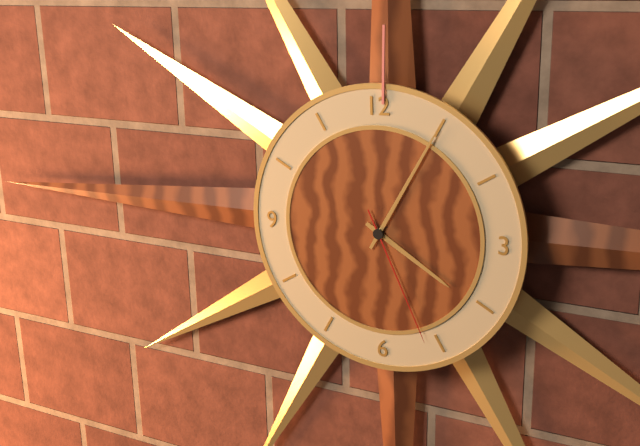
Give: 4h05m26s
